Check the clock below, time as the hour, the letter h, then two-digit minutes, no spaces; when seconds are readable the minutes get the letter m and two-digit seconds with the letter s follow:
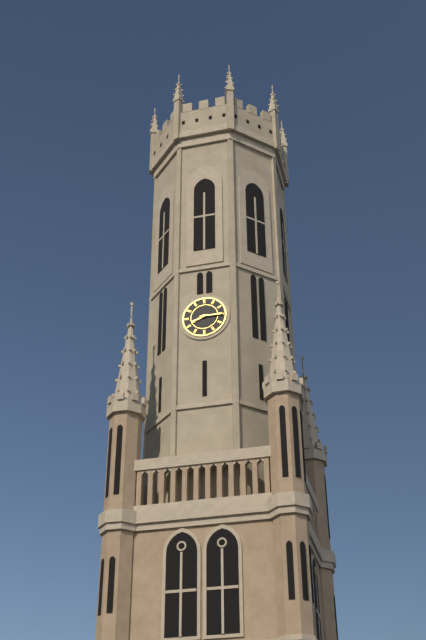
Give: 8h15
